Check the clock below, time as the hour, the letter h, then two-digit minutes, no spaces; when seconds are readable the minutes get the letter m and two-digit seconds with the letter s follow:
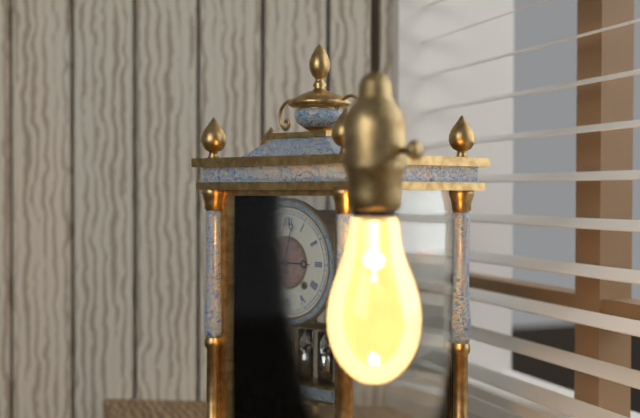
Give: 3h02
